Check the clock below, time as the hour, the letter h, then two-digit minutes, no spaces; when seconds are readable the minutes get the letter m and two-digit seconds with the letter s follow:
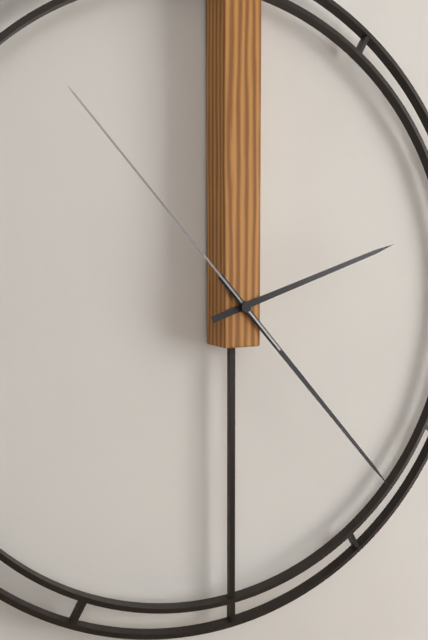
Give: 2h23m53s
